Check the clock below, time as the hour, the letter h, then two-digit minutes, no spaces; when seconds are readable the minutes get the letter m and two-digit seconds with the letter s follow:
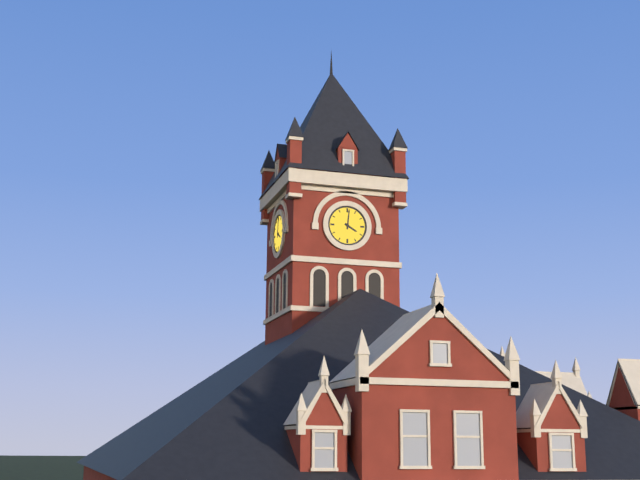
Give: 4h01
